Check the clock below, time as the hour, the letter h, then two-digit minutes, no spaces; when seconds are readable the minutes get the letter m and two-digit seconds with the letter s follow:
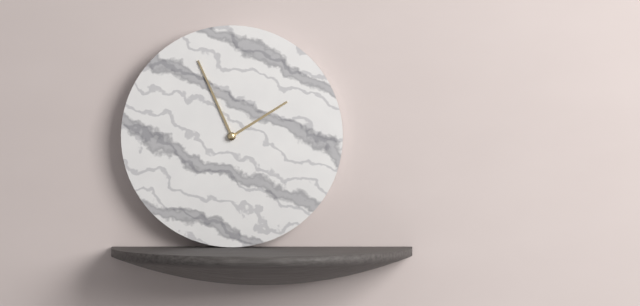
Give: 1h56
